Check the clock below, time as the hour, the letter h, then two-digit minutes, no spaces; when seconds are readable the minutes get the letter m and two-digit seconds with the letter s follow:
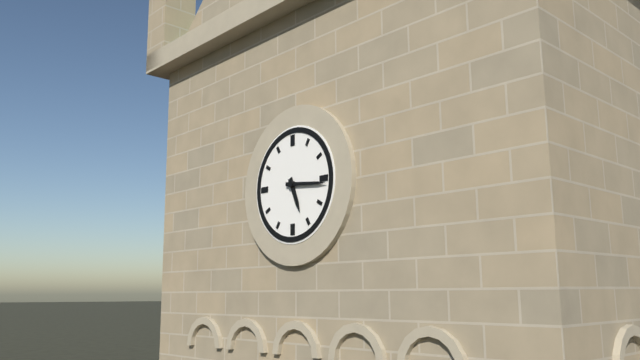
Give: 5h16
